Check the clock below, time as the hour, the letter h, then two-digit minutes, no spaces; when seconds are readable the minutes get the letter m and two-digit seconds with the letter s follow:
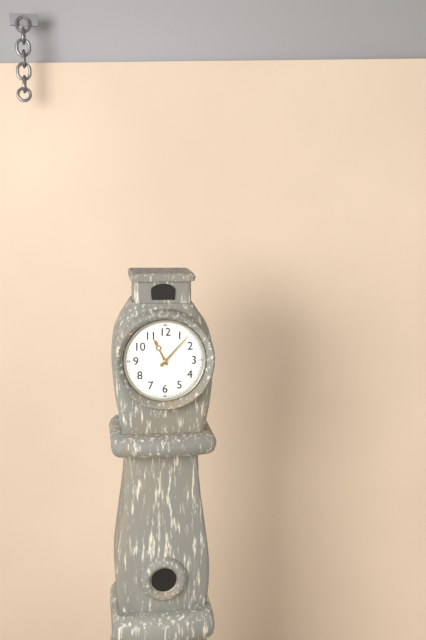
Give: 11h07
